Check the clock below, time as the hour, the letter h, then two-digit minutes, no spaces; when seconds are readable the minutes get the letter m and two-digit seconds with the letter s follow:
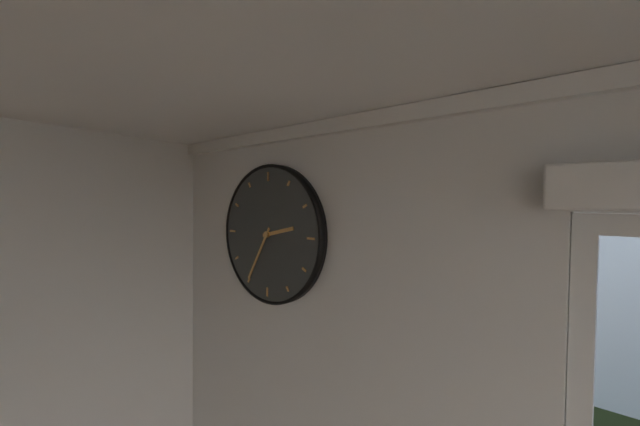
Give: 2h35
